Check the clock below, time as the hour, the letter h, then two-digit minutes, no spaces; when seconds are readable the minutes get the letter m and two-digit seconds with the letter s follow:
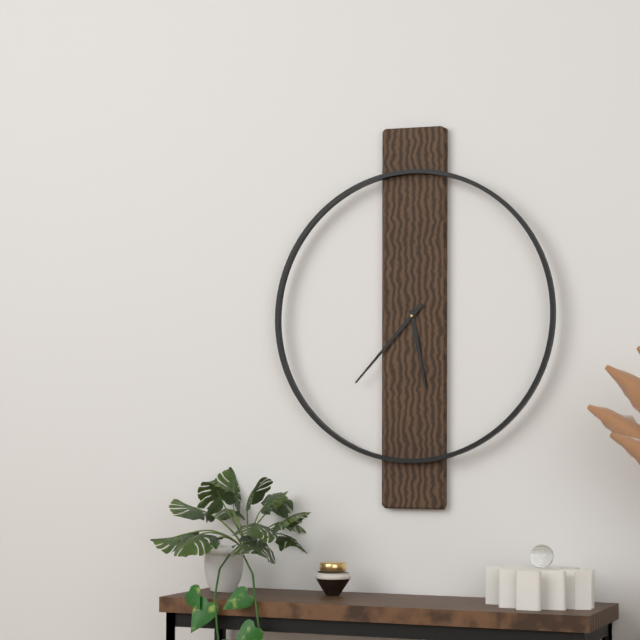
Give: 5h37
